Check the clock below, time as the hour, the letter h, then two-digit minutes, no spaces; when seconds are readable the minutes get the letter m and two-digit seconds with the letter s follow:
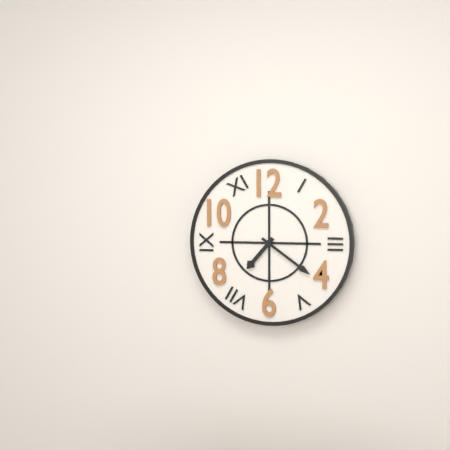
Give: 7h21
